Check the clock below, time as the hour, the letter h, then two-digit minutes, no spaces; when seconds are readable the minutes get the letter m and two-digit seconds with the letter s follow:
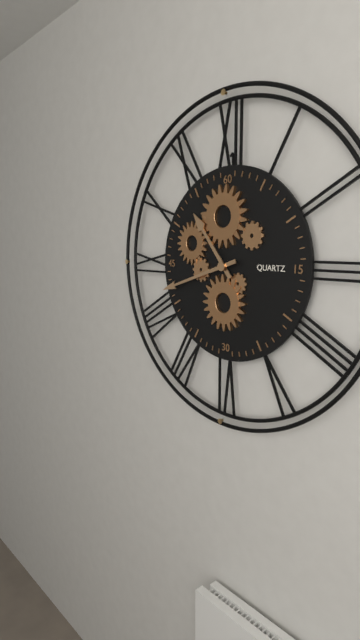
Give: 10h42
